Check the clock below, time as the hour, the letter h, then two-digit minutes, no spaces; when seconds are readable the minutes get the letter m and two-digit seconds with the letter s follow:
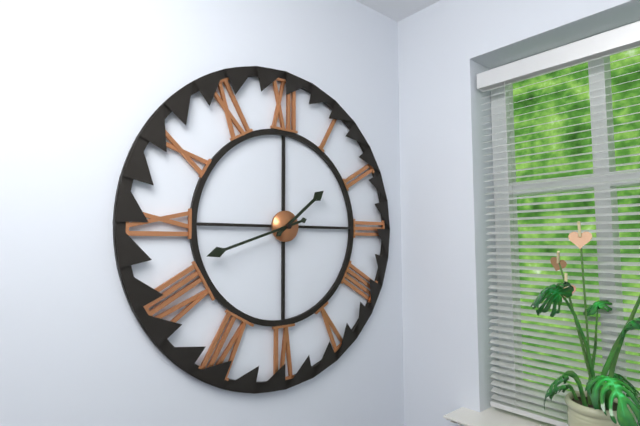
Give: 1h42
